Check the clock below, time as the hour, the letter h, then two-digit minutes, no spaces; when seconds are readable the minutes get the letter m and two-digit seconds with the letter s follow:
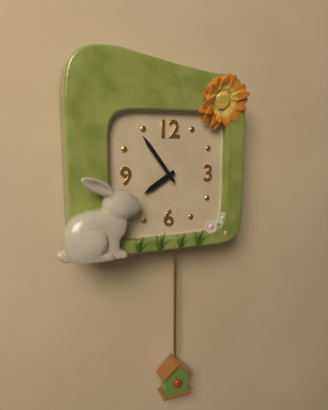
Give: 7h54
